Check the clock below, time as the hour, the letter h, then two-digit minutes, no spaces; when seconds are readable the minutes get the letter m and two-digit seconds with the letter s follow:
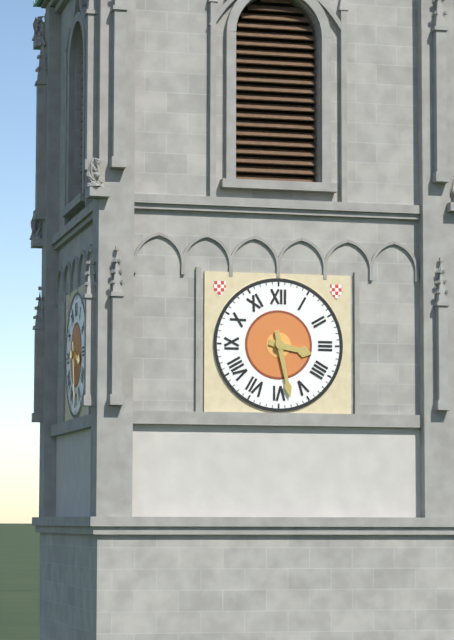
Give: 3h28
